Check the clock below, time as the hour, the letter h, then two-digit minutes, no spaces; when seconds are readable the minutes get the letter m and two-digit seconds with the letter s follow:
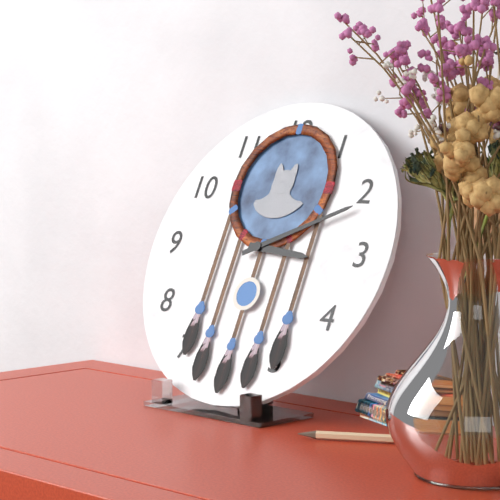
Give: 3h11
